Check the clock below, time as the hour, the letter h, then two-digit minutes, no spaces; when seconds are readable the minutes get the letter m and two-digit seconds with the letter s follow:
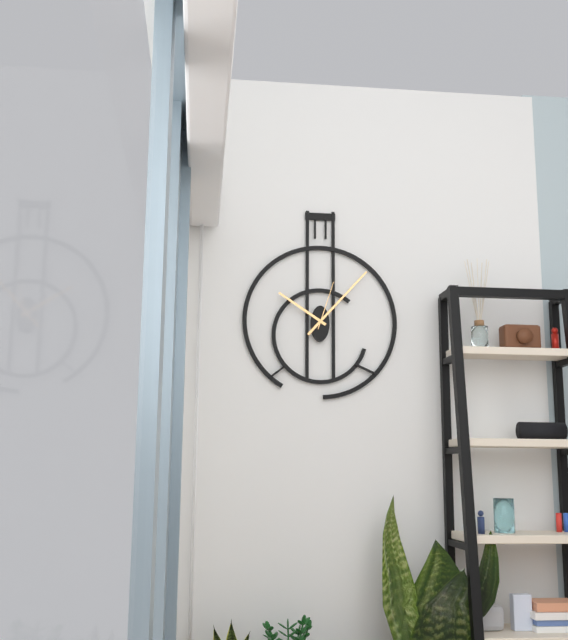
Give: 10h07m03s
